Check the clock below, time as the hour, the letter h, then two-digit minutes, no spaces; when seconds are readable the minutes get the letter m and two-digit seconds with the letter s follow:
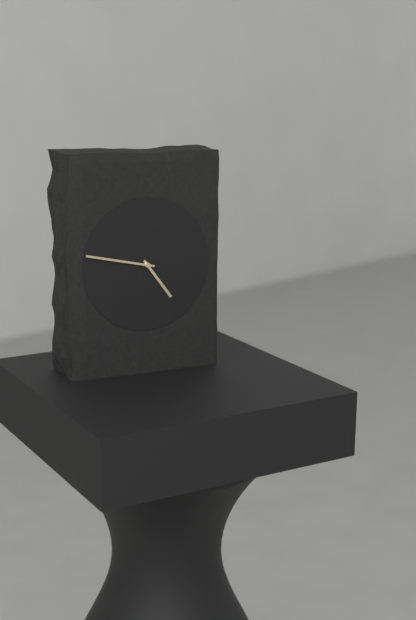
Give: 4h47
